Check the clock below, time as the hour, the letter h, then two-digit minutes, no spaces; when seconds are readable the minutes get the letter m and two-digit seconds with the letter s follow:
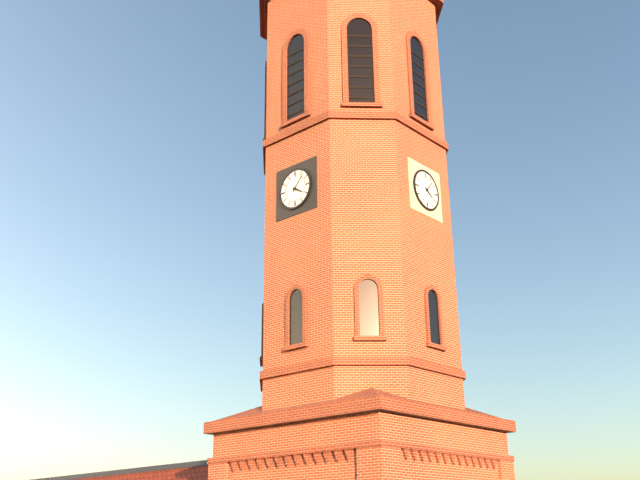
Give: 4h07
